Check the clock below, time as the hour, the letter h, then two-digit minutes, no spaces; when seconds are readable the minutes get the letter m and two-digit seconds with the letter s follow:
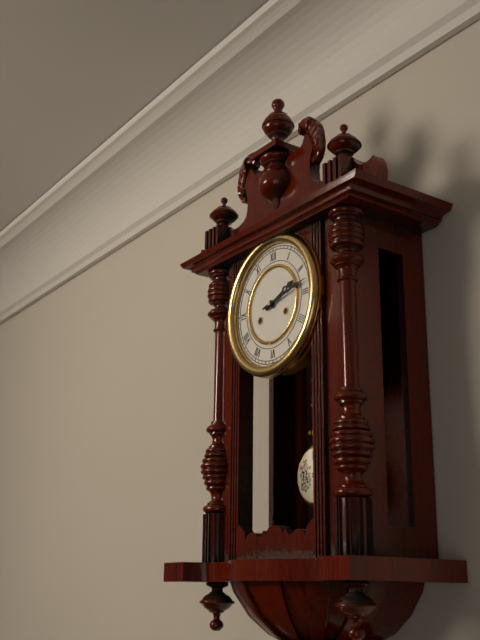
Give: 2h13
